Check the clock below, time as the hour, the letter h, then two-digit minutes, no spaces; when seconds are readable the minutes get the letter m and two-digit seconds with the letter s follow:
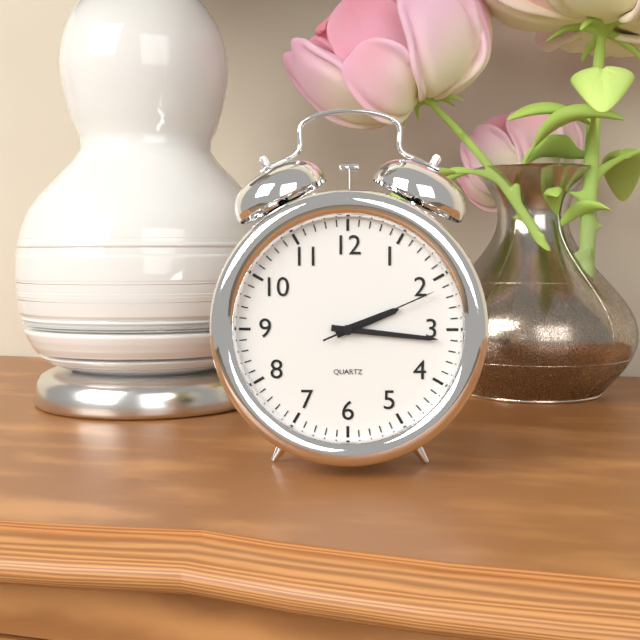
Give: 2h16m11s
